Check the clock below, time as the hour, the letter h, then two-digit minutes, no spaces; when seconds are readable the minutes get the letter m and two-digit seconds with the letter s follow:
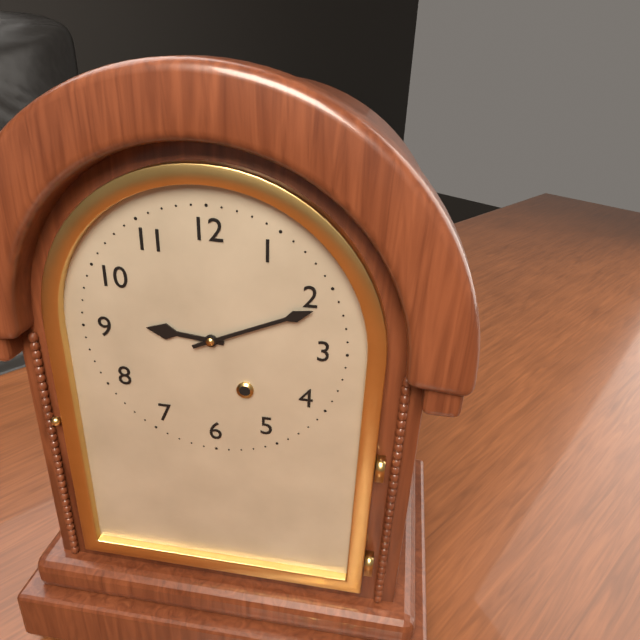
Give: 9h11
